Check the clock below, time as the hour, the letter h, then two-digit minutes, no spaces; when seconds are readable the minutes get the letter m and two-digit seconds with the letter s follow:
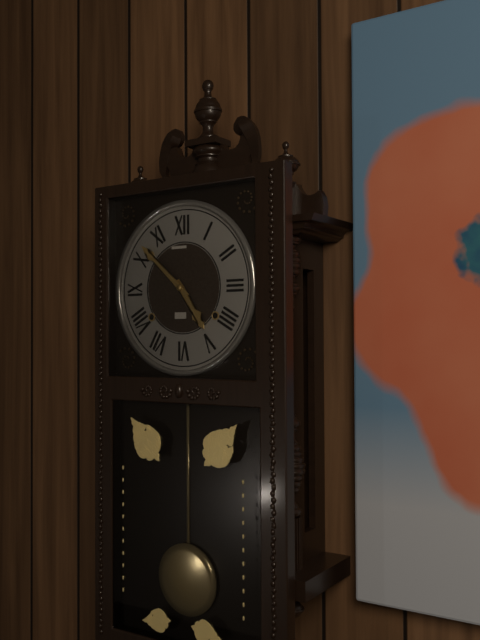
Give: 4h52
